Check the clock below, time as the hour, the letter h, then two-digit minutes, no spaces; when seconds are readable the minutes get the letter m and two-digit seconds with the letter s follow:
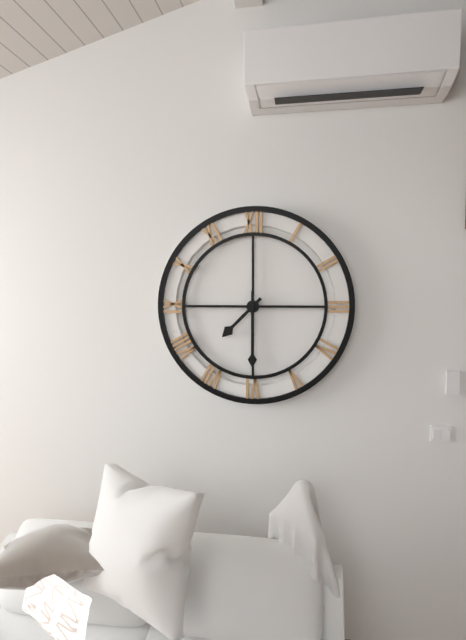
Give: 7h30
